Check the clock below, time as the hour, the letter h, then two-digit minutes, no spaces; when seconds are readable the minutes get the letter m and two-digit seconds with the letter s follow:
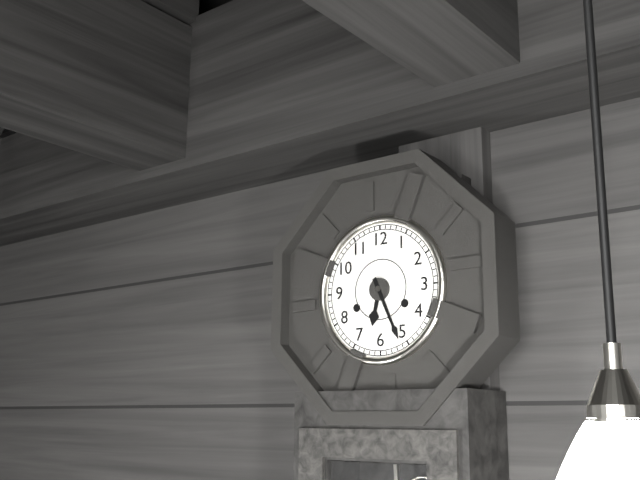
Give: 6h26
